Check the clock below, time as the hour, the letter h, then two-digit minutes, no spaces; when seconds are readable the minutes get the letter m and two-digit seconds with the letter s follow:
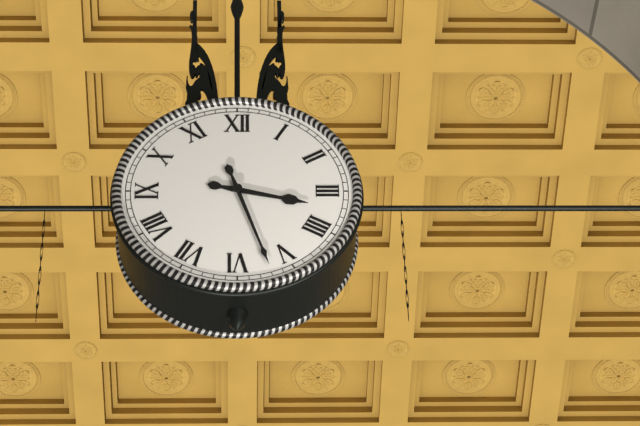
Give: 3h27
